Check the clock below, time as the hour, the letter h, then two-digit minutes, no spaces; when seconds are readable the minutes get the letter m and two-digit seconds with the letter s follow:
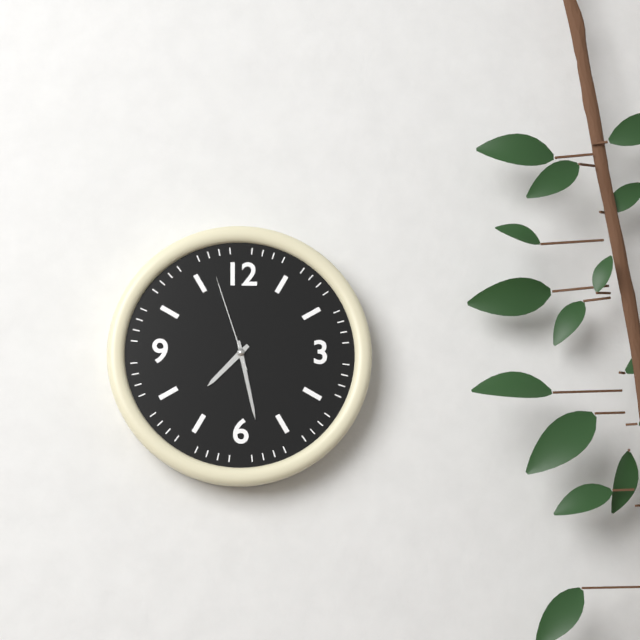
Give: 7h28m57s
